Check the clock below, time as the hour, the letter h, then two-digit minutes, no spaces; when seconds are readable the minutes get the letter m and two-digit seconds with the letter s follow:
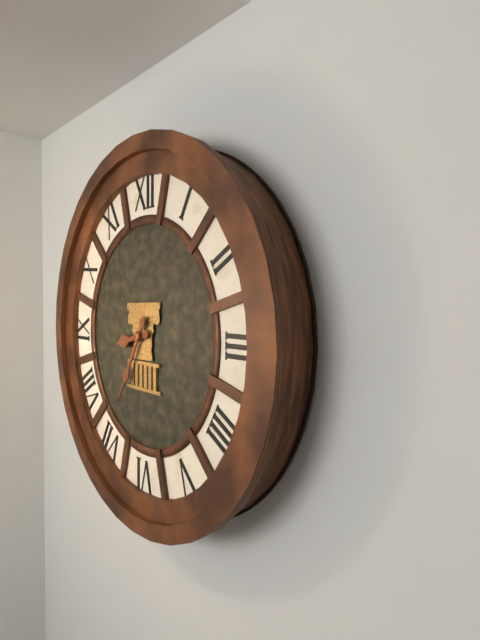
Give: 8h35
